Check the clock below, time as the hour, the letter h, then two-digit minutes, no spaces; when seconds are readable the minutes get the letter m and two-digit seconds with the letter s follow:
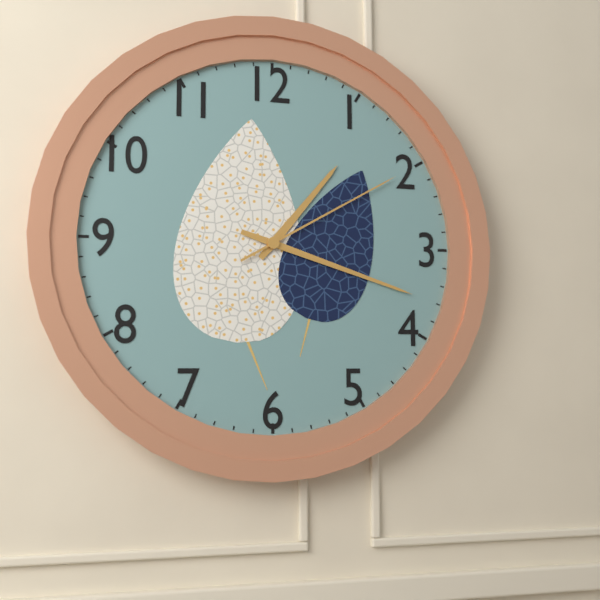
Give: 1h18m10s
